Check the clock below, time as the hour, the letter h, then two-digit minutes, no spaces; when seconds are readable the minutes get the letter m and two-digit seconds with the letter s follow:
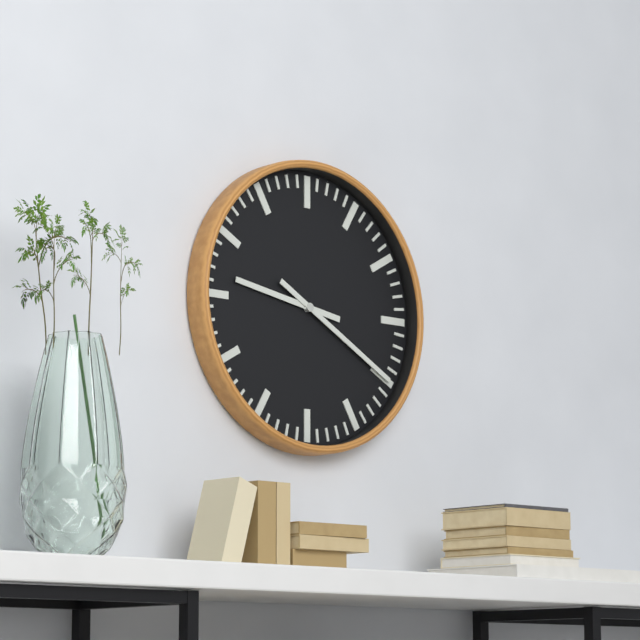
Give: 9h20
